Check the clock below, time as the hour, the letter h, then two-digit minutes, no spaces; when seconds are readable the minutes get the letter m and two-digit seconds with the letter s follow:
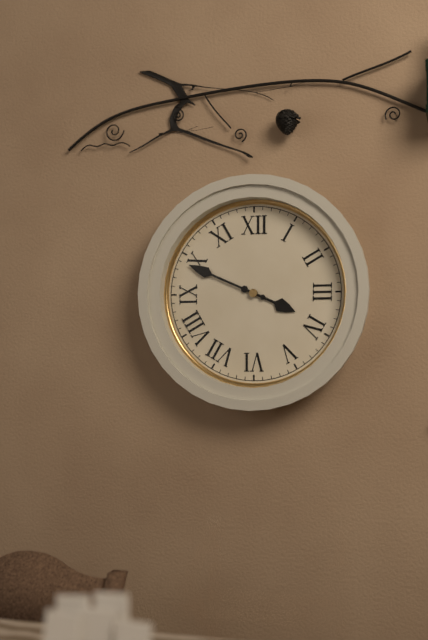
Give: 3h49
